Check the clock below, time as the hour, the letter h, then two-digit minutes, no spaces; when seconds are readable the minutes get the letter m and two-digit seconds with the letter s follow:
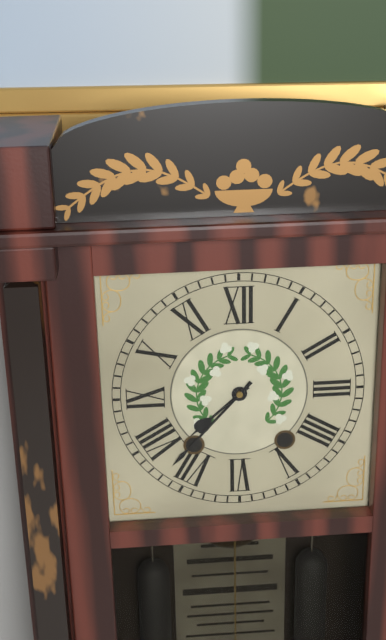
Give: 7h37
